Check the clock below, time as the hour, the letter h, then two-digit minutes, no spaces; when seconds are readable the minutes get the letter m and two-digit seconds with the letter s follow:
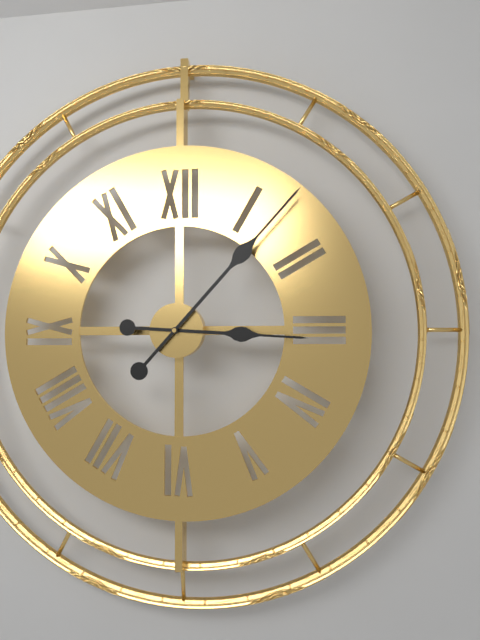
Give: 3h07
